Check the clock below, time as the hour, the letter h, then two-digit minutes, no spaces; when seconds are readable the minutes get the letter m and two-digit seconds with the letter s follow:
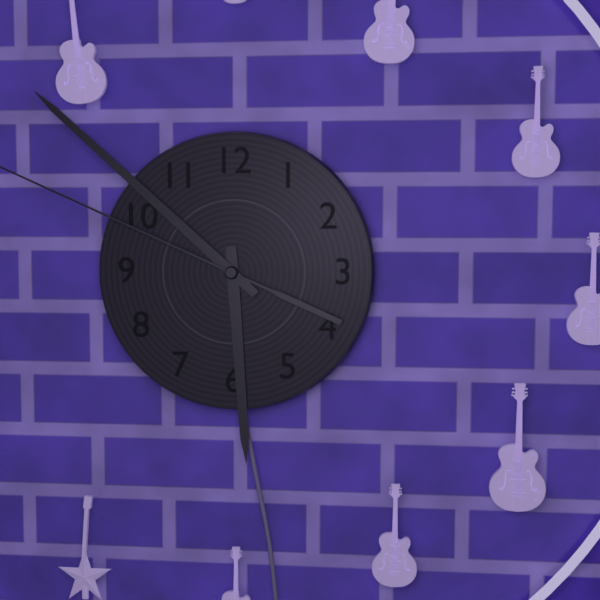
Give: 5h52
